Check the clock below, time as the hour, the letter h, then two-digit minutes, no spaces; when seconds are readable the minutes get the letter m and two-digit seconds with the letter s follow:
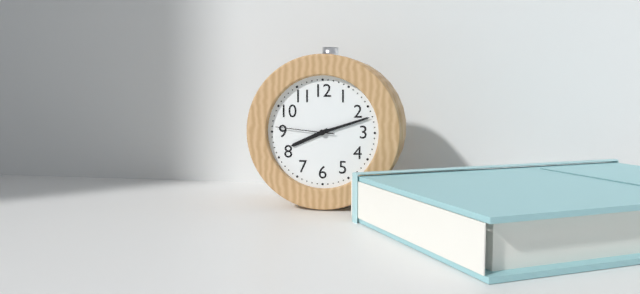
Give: 8h12m46s
